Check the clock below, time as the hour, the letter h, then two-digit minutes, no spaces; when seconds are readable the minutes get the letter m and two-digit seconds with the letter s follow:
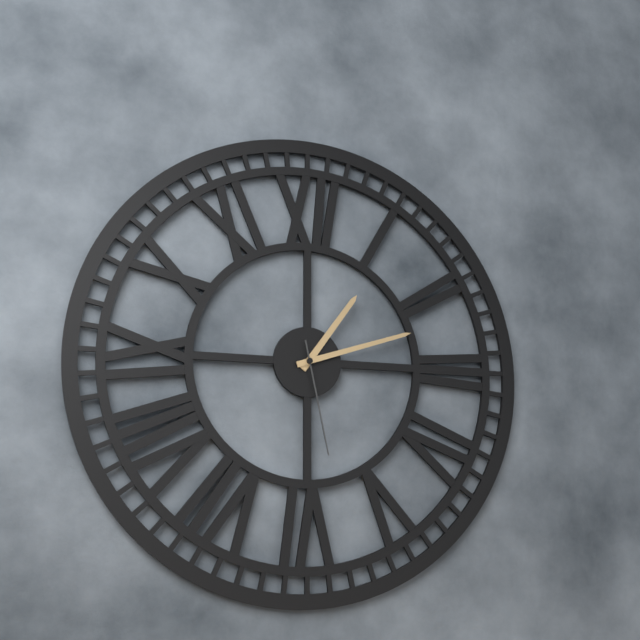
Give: 1h12m28s
